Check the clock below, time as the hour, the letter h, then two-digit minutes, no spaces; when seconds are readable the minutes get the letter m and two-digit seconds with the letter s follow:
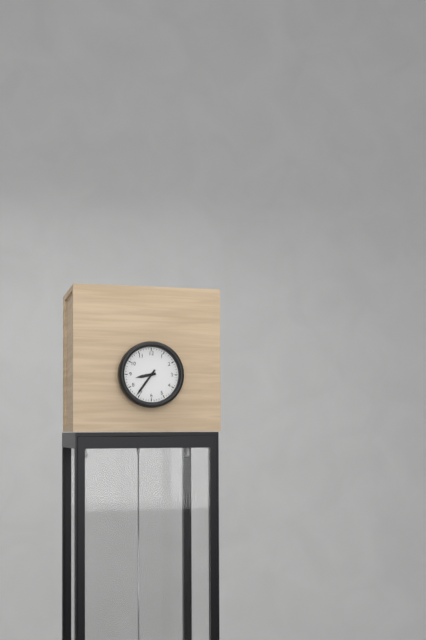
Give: 8h36
